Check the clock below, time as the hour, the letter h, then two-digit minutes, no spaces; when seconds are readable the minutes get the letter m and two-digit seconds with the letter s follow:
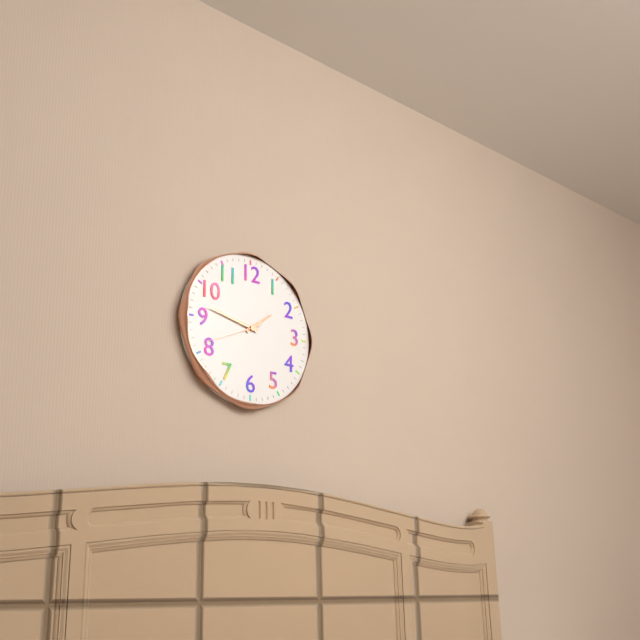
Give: 1h47m41s
